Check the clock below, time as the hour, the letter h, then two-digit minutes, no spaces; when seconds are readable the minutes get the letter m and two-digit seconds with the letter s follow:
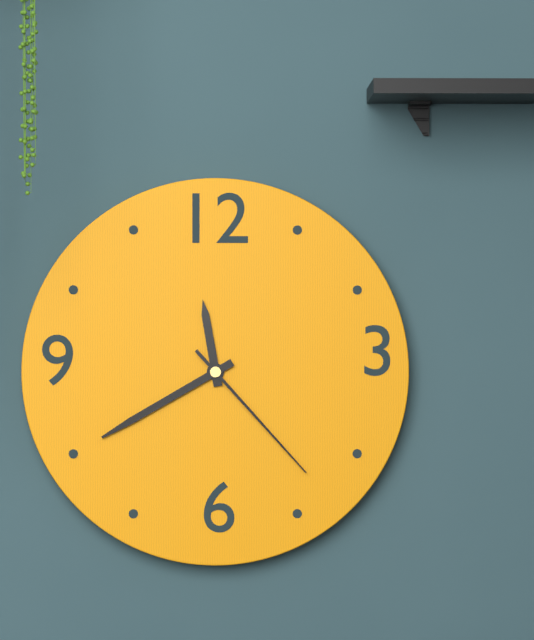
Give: 11h40m23s
